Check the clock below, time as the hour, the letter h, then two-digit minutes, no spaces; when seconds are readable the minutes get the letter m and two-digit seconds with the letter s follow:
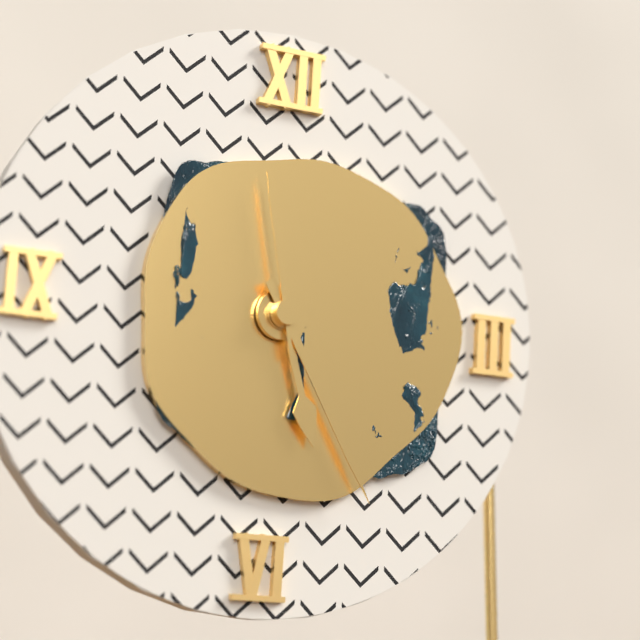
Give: 5h25m58s
